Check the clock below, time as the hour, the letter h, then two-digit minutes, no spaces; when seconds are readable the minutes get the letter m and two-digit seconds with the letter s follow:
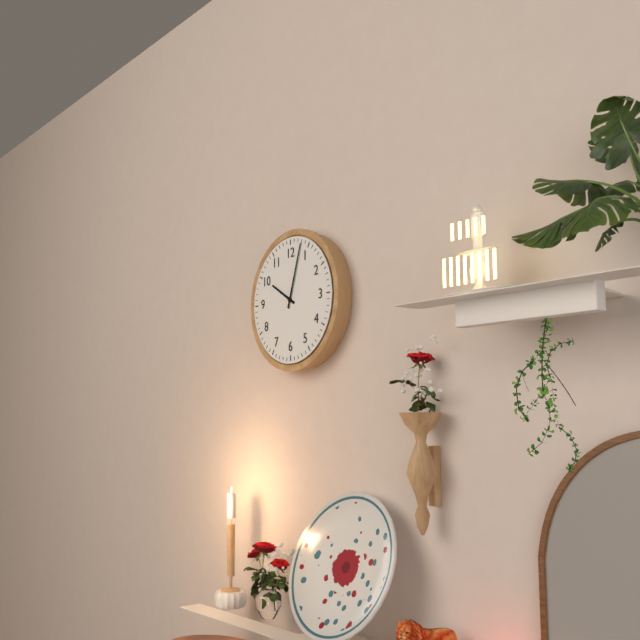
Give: 10h03
